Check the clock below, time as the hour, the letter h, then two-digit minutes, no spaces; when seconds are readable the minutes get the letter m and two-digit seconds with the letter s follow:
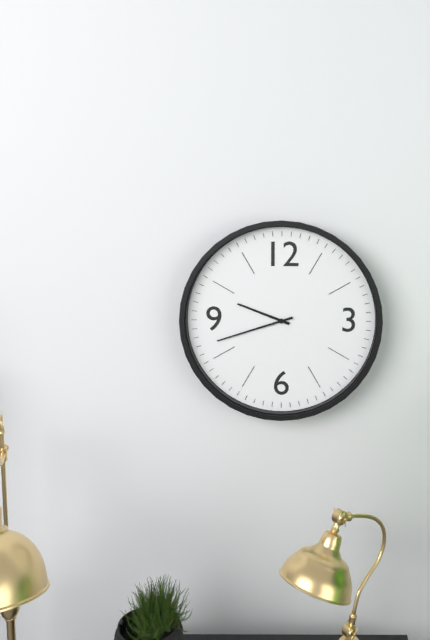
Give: 9h42
